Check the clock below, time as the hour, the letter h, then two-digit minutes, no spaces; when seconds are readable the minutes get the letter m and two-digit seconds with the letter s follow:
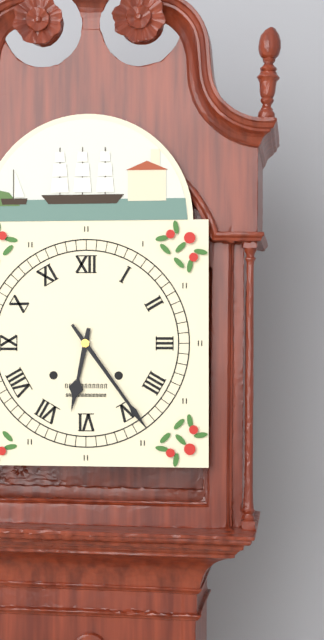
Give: 6h24
